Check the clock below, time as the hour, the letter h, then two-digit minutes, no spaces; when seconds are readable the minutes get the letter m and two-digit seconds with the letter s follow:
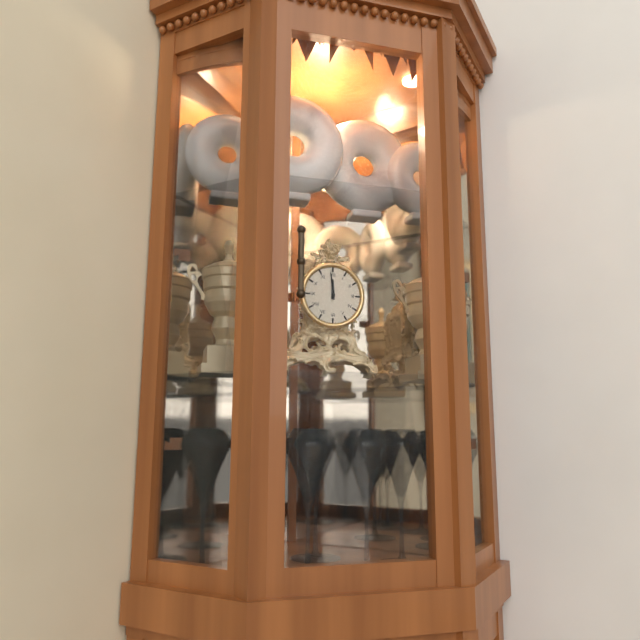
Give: 11h59
